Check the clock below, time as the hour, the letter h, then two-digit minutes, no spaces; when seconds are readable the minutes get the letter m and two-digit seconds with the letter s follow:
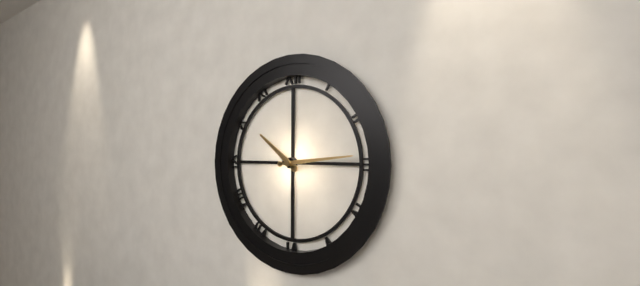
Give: 10h14
